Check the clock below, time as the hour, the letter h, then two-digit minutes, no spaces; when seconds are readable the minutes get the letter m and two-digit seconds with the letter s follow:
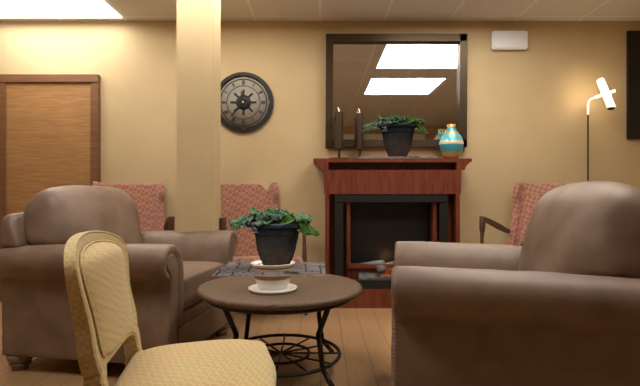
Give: 11h37
